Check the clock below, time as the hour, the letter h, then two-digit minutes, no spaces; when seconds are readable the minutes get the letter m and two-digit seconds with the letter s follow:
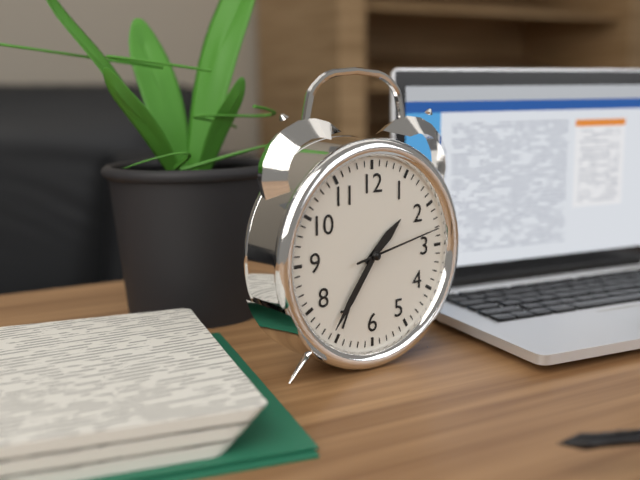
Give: 1h36m13s
